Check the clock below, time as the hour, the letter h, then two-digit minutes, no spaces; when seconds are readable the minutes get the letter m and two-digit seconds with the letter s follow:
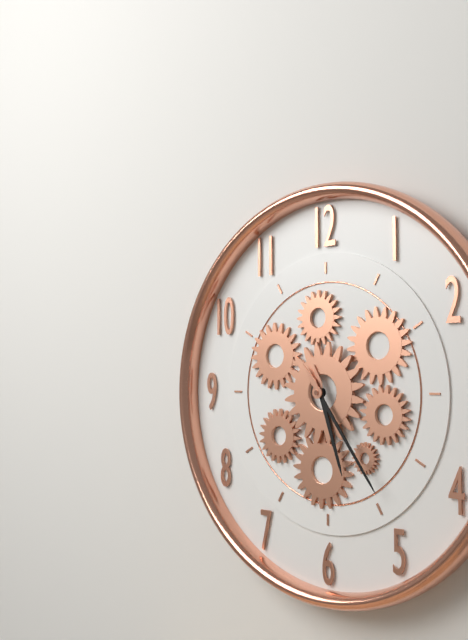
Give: 5h24
